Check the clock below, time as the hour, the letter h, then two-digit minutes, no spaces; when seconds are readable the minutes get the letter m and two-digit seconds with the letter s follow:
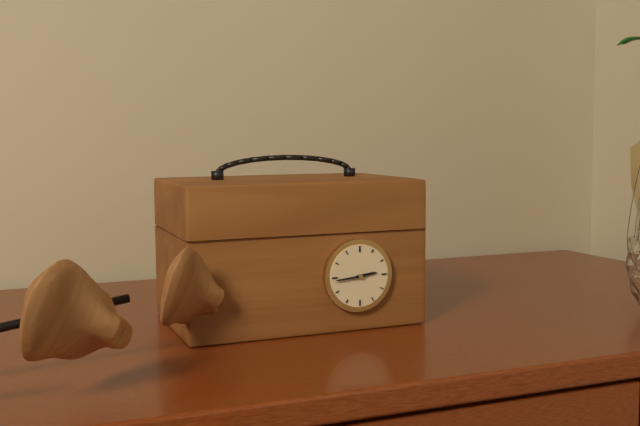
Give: 2h44
